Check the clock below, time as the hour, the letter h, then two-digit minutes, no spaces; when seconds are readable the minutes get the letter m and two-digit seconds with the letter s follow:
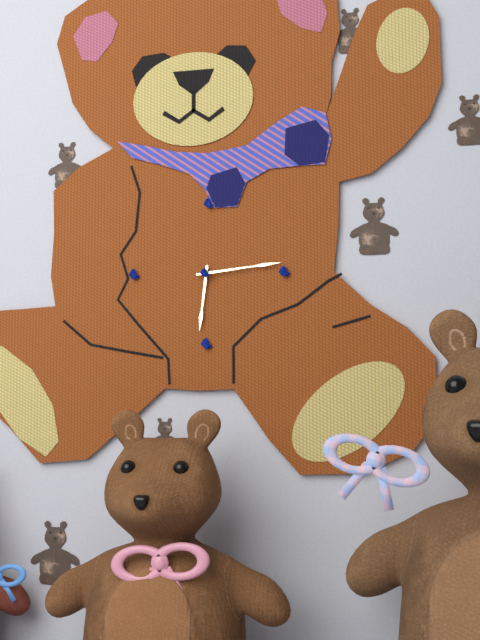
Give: 6h14
